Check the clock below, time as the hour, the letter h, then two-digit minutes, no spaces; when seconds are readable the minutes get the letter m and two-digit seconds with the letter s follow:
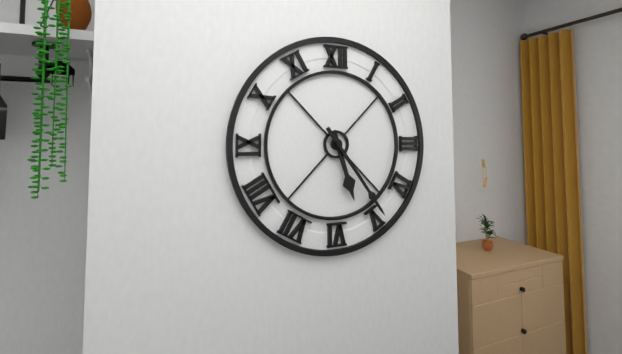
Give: 5h24
